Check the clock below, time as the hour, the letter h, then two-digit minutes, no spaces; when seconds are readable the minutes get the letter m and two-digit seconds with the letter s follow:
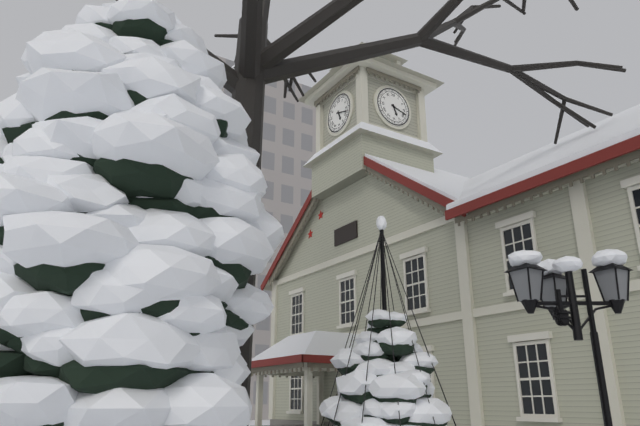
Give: 5h18
